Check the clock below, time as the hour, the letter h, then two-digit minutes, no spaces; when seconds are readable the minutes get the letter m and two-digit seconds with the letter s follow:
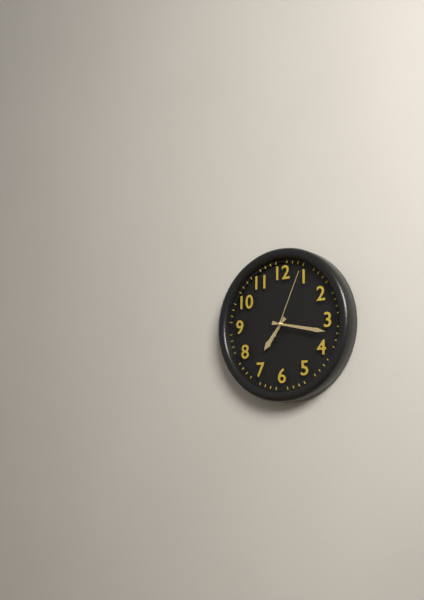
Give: 7h17m04s
